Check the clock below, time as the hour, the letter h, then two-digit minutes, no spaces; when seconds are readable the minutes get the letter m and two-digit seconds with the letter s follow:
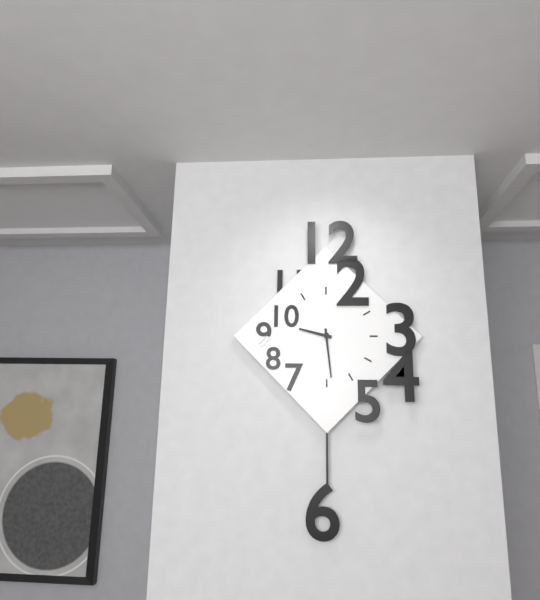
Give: 9h29
